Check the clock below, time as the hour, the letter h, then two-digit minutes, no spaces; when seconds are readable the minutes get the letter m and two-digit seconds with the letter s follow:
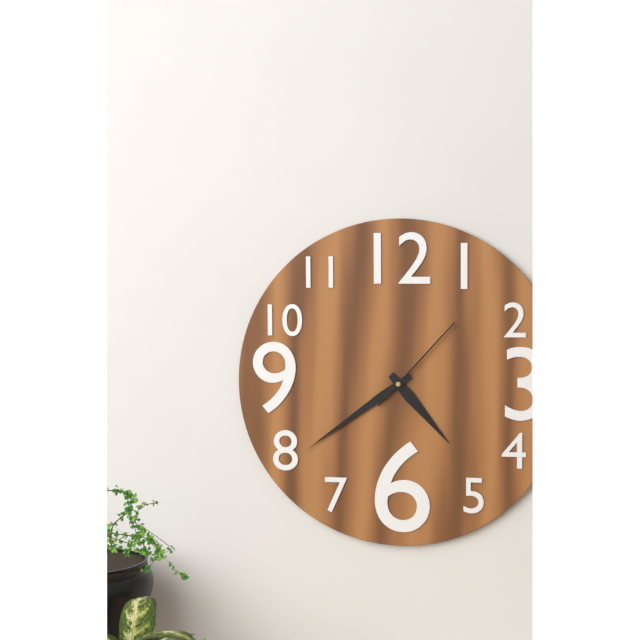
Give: 4h39m07s
